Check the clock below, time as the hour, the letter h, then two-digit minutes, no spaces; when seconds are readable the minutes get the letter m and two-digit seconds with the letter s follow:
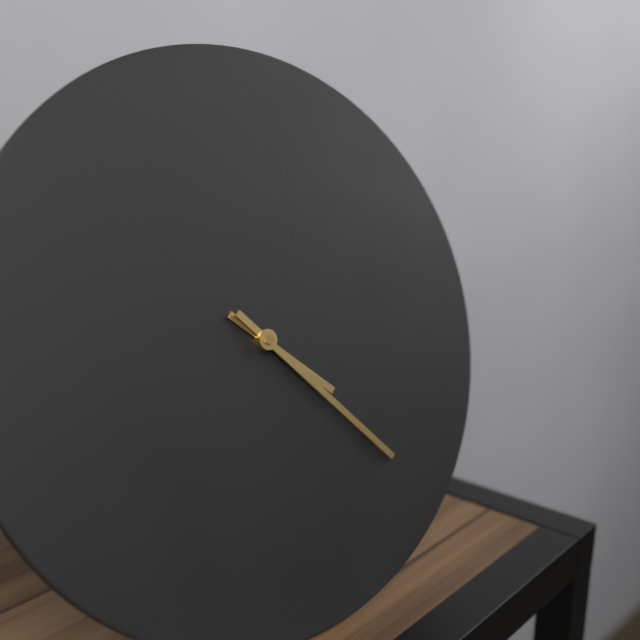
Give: 4h23
